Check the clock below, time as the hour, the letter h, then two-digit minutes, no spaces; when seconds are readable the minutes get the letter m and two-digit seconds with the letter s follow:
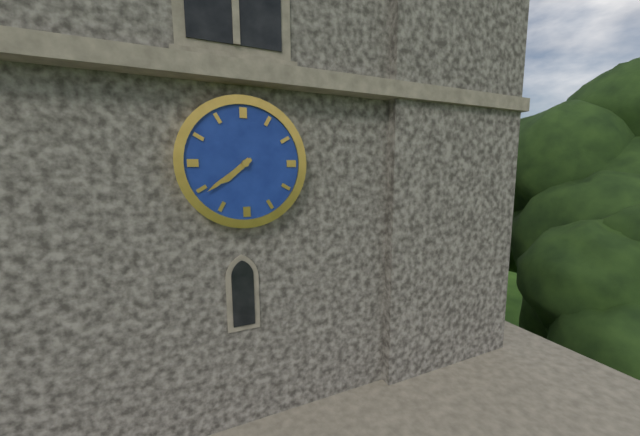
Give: 7h39
